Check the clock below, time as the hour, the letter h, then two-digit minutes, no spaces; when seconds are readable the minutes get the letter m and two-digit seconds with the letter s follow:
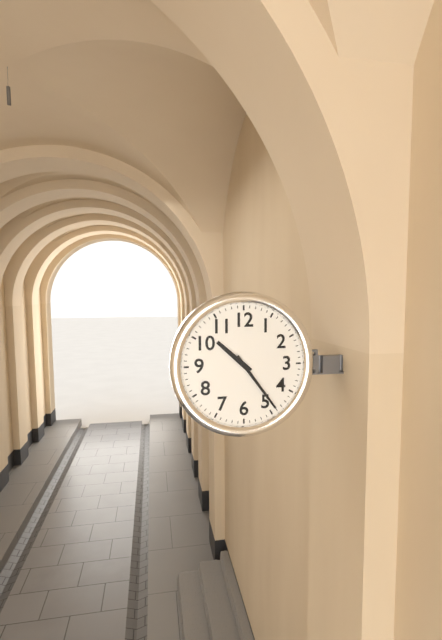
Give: 10h24
